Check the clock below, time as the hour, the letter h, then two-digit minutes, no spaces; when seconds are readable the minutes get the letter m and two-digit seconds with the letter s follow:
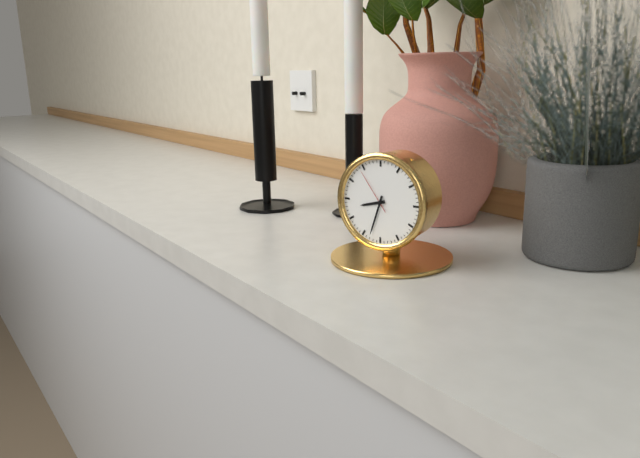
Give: 8h33m54s
